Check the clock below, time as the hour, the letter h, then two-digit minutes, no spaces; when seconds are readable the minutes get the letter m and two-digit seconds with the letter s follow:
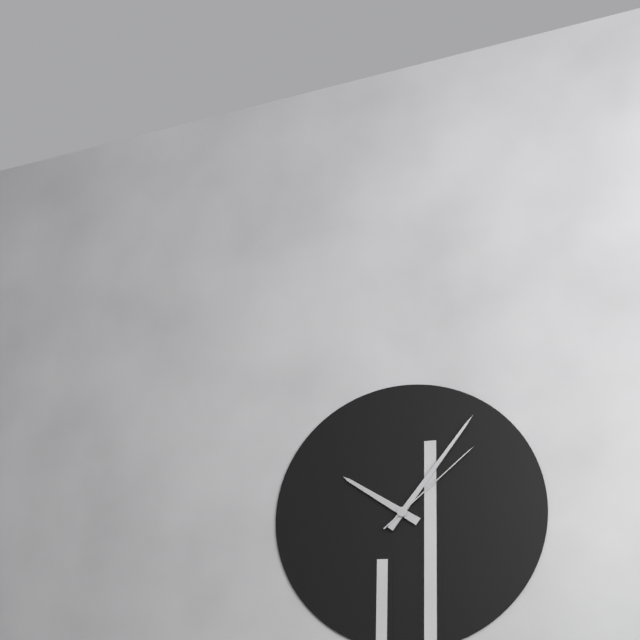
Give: 10h06m08s
